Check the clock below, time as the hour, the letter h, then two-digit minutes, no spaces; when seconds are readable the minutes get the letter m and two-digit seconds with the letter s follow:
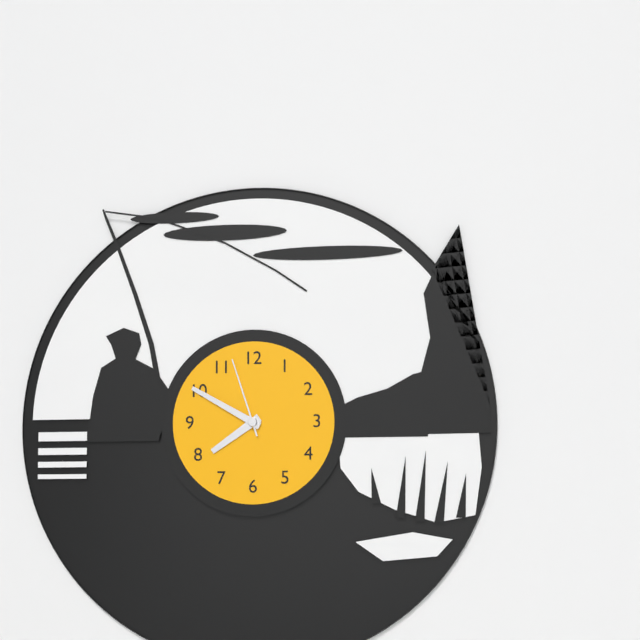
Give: 7h50m57s
